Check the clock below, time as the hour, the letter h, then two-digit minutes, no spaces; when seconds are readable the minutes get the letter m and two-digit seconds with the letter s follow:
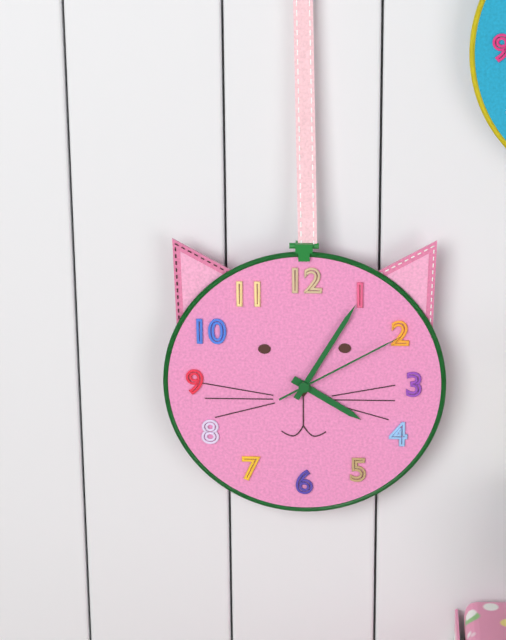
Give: 4h05m10s
